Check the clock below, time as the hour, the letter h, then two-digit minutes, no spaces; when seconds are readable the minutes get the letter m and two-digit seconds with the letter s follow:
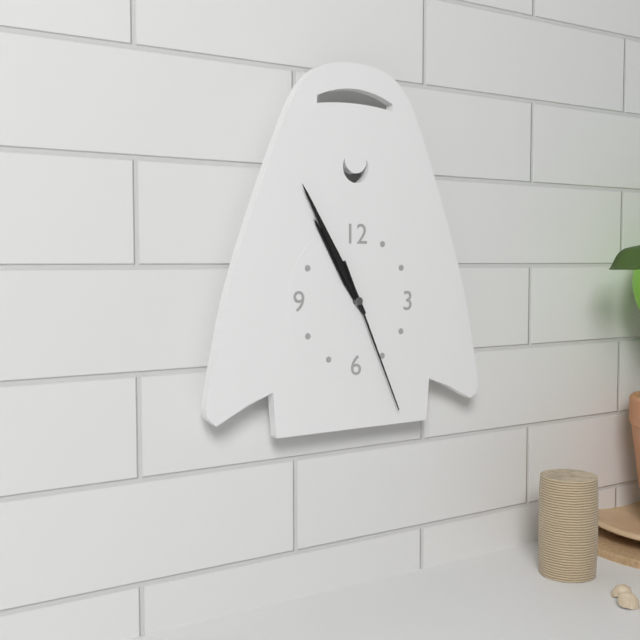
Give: 10h55m26s
